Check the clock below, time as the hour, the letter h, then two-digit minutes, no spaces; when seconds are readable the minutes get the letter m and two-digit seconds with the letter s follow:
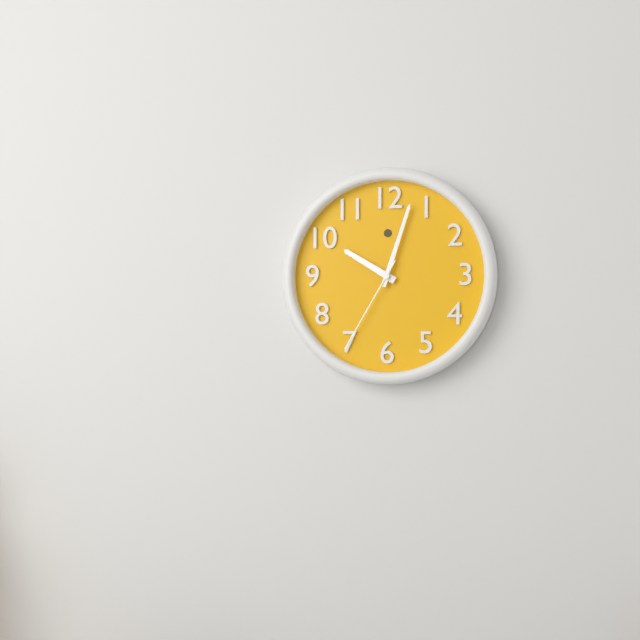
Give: 10h03m35s
